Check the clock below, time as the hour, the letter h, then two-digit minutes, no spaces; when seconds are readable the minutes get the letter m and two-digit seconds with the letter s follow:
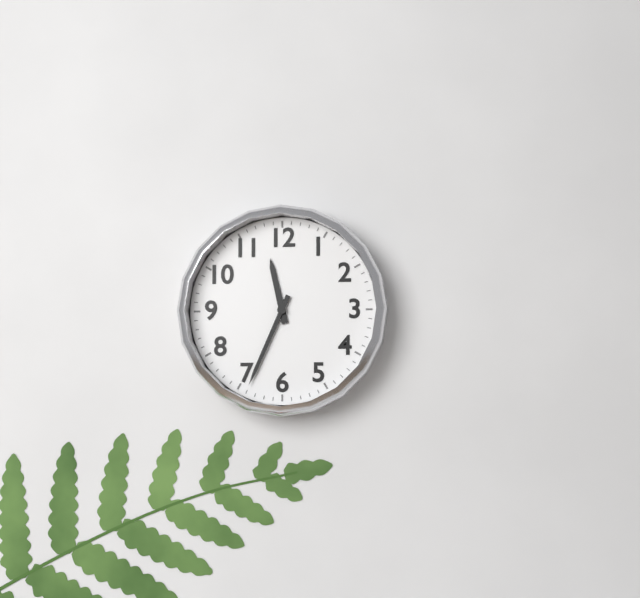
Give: 11h34
